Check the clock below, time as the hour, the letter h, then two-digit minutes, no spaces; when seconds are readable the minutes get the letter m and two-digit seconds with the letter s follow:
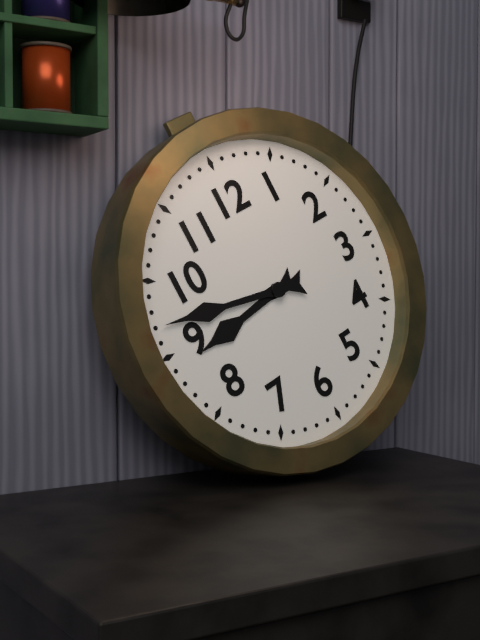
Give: 8h47
